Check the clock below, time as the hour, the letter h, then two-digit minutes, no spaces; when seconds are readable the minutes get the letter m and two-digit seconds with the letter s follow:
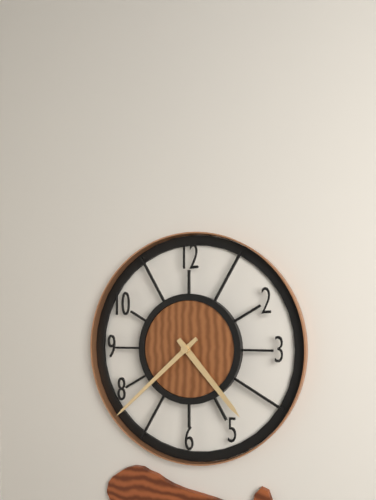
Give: 4h38
